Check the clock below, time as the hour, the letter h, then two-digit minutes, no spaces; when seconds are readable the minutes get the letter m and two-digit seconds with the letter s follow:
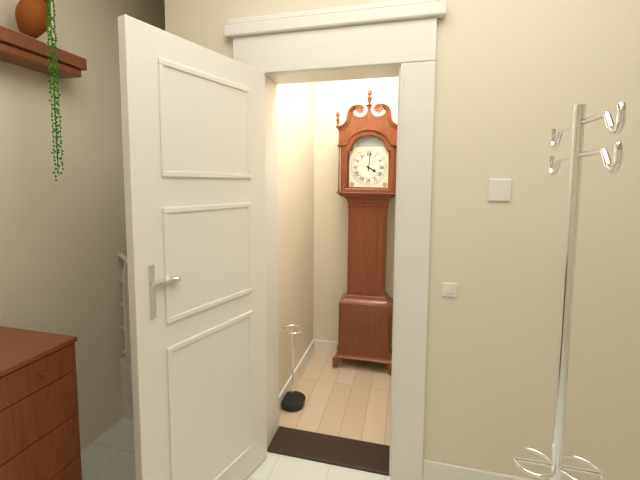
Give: 4h01
